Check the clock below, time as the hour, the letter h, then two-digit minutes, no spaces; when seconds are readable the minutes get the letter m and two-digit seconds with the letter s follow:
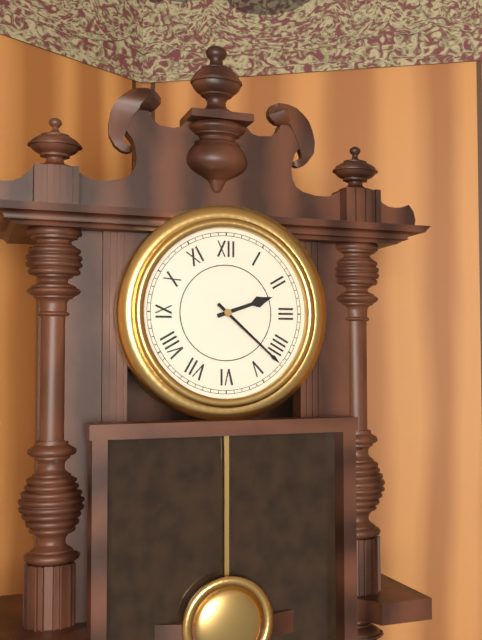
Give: 2h22
